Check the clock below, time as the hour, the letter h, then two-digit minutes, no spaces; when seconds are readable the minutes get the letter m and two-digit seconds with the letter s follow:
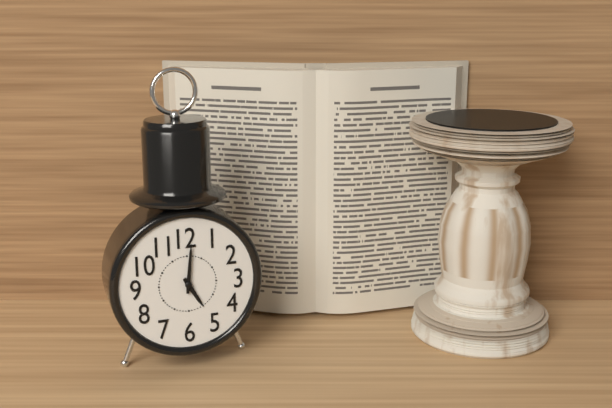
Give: 5h01
